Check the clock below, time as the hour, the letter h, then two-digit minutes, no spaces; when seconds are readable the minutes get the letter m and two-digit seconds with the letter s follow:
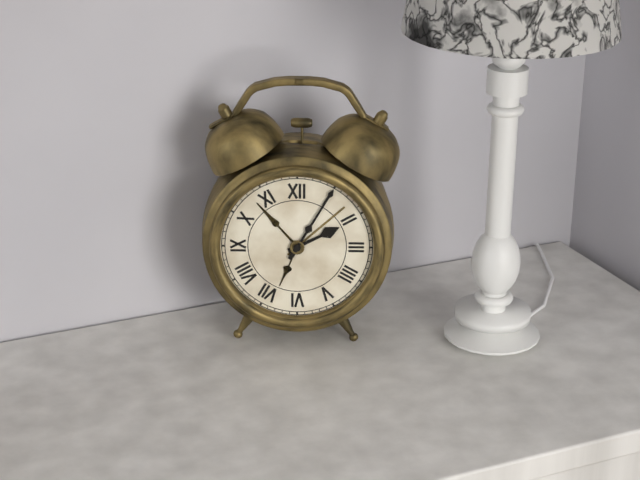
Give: 2h05
